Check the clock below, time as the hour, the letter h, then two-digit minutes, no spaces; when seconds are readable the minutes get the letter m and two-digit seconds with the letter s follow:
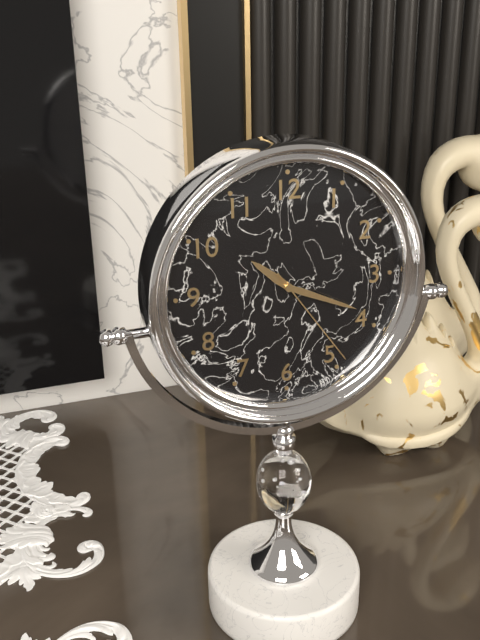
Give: 10h19m24s
